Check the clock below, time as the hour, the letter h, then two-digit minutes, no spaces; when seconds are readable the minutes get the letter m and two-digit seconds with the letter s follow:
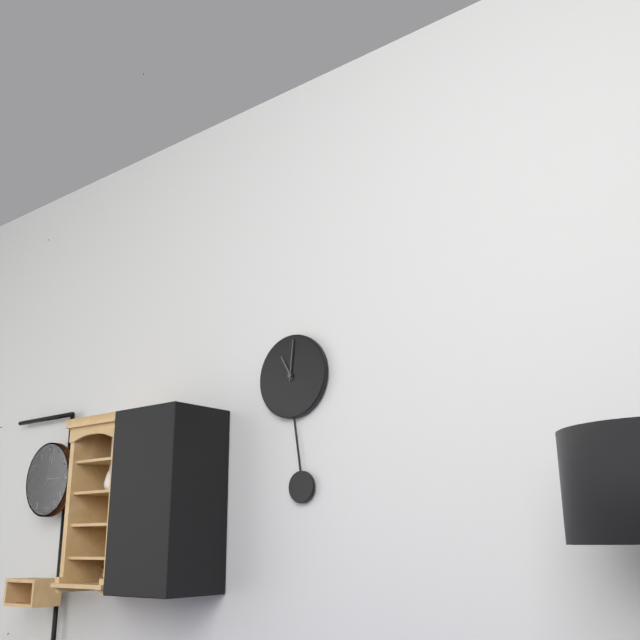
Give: 11h01
